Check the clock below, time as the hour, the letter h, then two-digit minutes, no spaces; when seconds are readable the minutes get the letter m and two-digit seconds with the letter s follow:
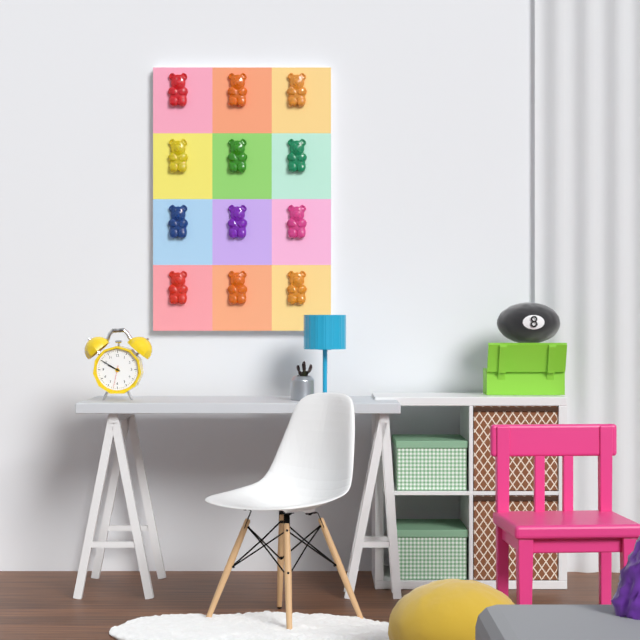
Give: 9h50
